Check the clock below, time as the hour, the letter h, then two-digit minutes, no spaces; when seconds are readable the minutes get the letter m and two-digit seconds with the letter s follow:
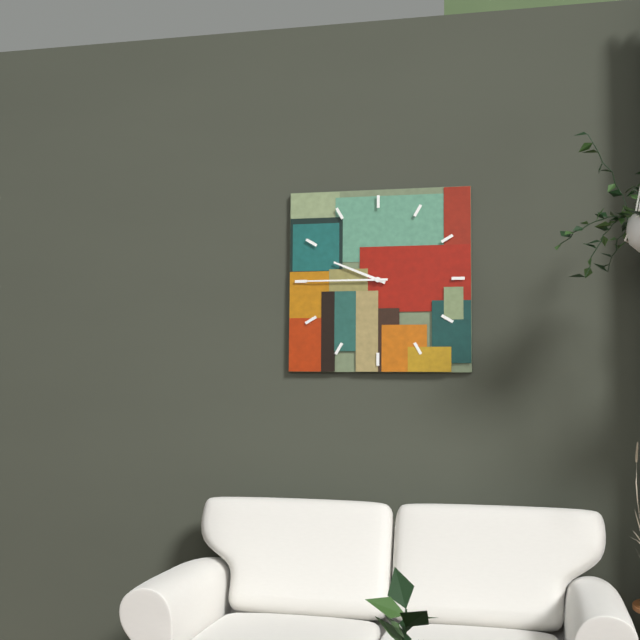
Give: 9h45
